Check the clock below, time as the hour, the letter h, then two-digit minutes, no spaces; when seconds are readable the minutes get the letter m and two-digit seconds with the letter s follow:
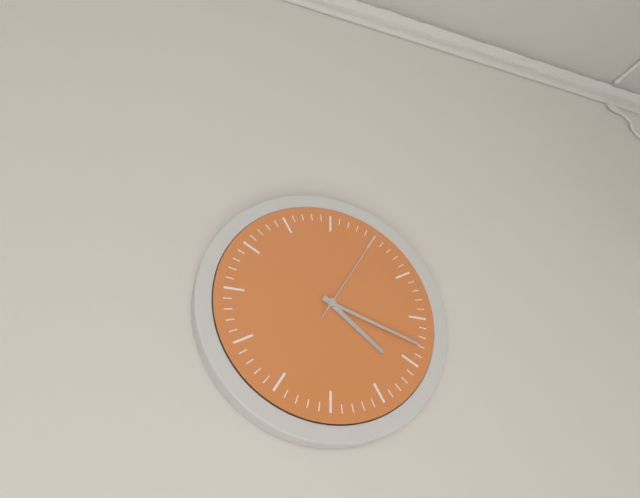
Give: 4h18m05s
